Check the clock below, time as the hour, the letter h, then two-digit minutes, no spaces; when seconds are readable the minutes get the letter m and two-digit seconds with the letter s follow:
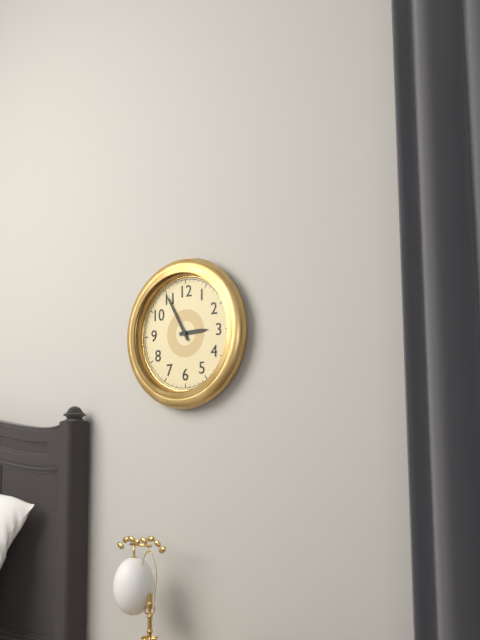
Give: 2h55
